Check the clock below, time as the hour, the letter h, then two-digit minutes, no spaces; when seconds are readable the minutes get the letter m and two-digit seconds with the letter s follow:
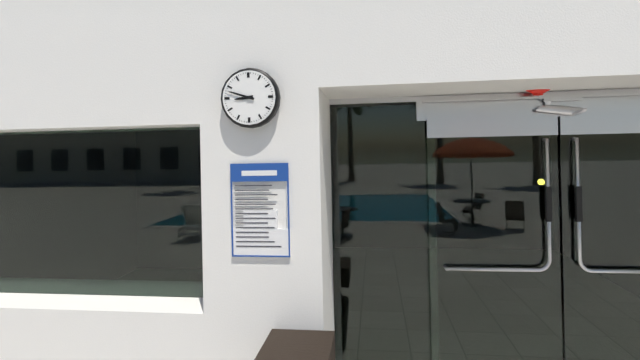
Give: 8h48
